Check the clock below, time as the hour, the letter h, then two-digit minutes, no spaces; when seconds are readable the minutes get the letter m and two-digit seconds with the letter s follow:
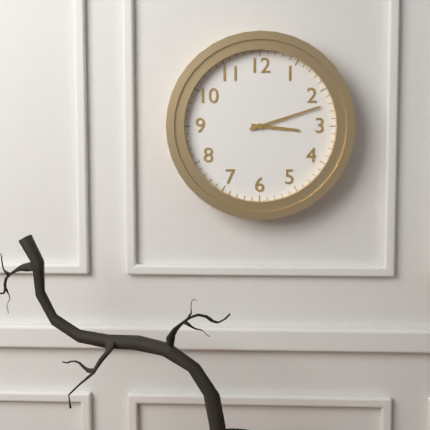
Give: 3h12
